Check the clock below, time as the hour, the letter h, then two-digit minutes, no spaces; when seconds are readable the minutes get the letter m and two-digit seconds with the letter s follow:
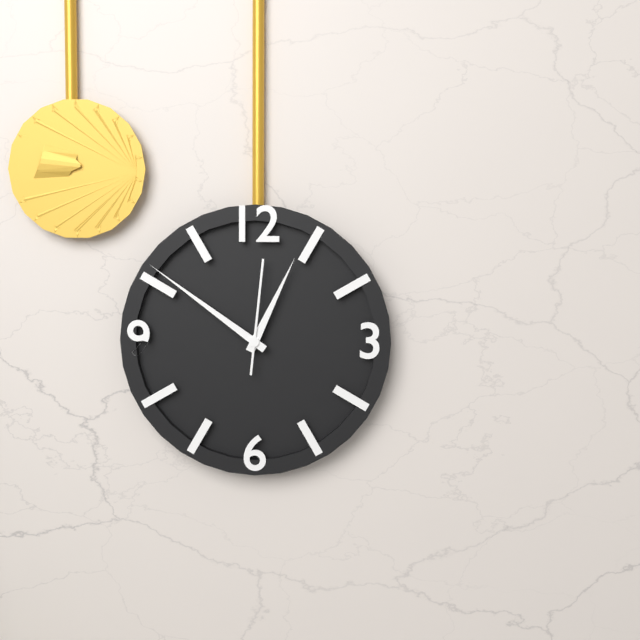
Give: 12h51m01s
